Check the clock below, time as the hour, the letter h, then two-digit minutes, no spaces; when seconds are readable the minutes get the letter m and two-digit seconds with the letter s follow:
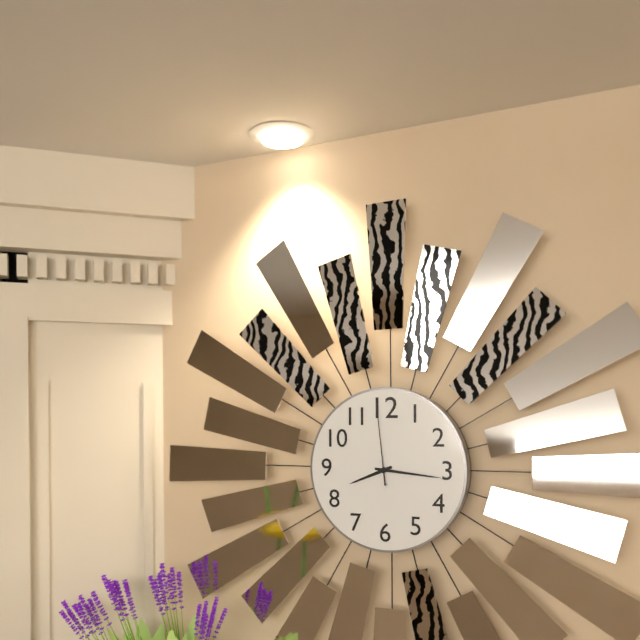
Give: 8h16m59s
